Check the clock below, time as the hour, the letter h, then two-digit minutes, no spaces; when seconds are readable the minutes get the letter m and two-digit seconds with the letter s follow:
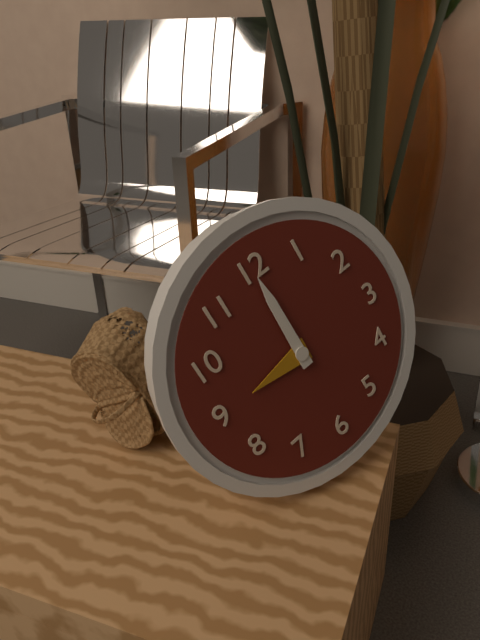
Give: 9h00
